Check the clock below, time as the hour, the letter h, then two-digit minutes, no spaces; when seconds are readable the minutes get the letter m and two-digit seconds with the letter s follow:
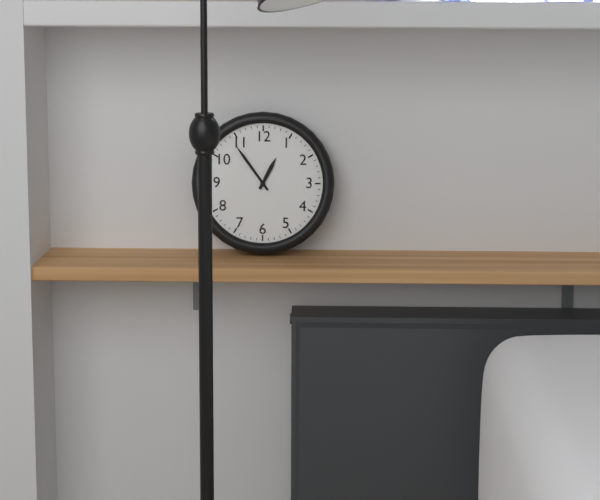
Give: 12h54
